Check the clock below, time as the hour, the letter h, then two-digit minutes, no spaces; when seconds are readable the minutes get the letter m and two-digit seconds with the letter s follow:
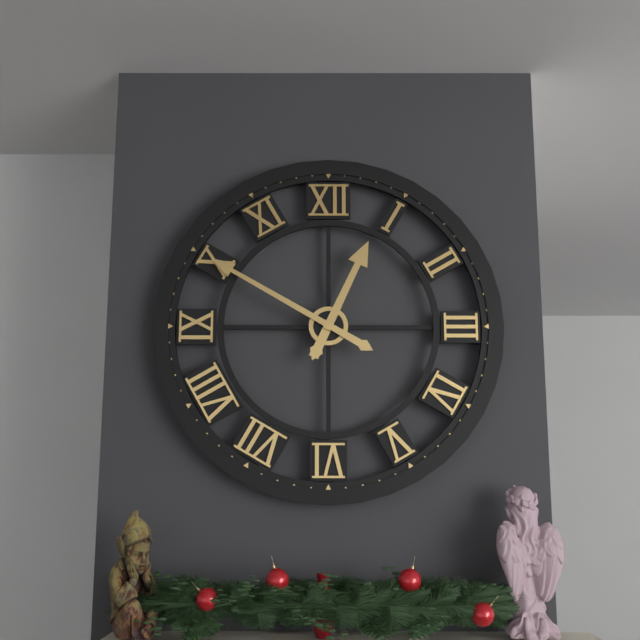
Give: 12h50
